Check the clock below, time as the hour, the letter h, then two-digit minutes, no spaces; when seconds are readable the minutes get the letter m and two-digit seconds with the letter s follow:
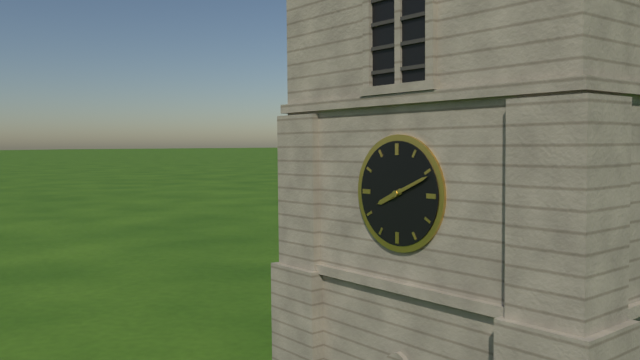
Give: 8h11
